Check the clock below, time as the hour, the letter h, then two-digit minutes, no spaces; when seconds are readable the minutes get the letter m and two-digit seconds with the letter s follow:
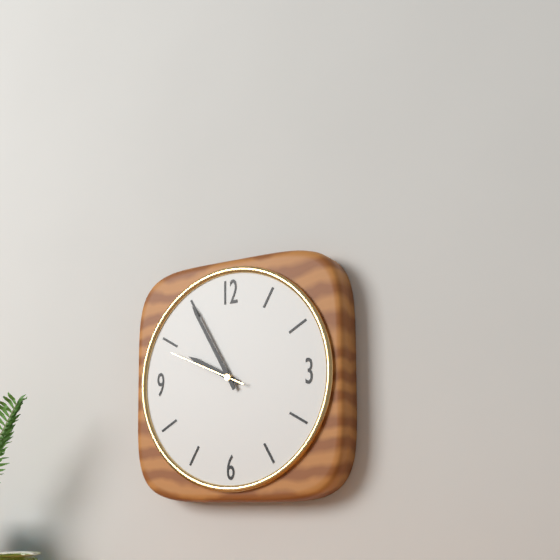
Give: 9h55m49s
